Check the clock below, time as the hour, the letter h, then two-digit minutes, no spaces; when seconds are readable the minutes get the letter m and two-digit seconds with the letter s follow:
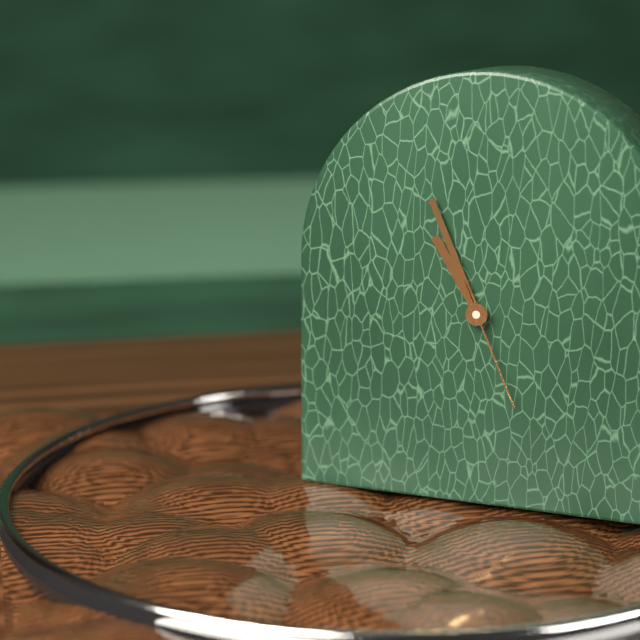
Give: 10h56m26s
